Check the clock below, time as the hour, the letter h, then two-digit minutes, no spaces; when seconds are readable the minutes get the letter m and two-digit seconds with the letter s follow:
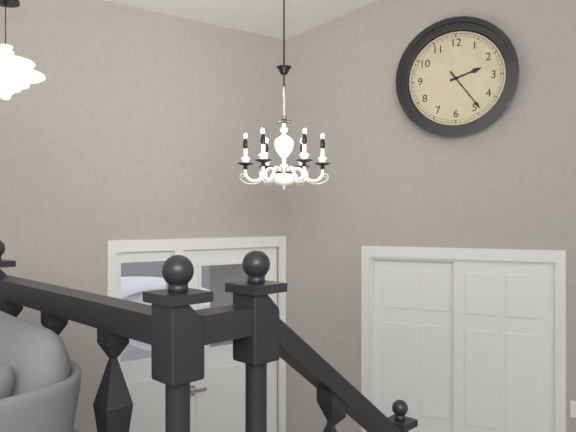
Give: 2h24
